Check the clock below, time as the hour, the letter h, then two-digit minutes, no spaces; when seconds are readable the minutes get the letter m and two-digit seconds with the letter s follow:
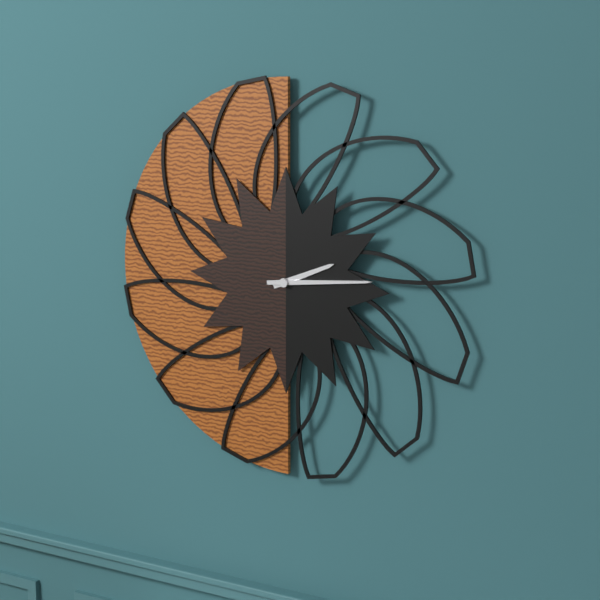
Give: 2h14
